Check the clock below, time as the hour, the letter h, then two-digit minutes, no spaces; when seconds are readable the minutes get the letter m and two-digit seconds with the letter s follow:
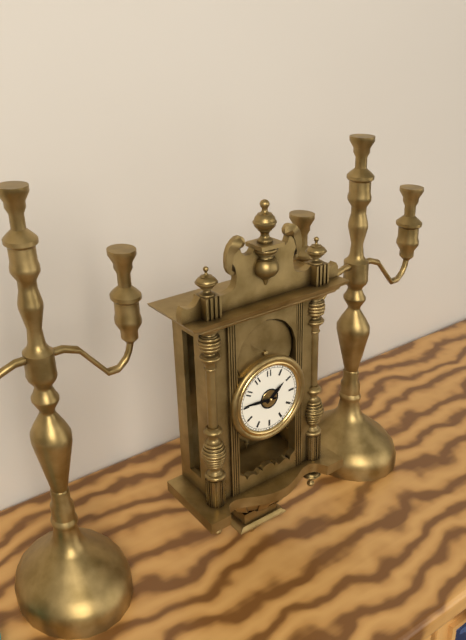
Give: 1h46
